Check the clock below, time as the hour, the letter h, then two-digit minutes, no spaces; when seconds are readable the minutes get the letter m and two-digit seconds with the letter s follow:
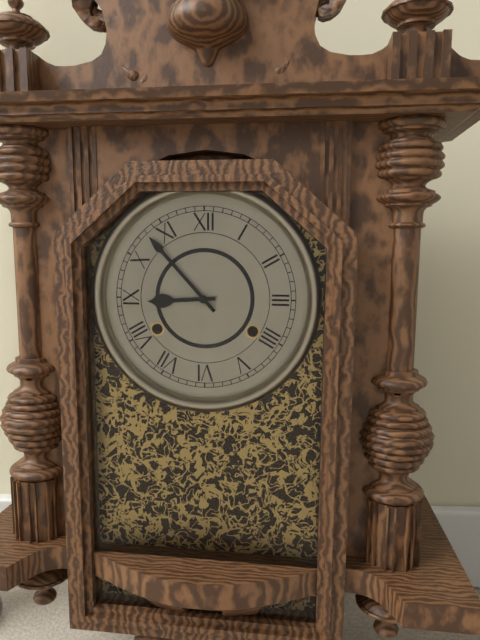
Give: 8h53
